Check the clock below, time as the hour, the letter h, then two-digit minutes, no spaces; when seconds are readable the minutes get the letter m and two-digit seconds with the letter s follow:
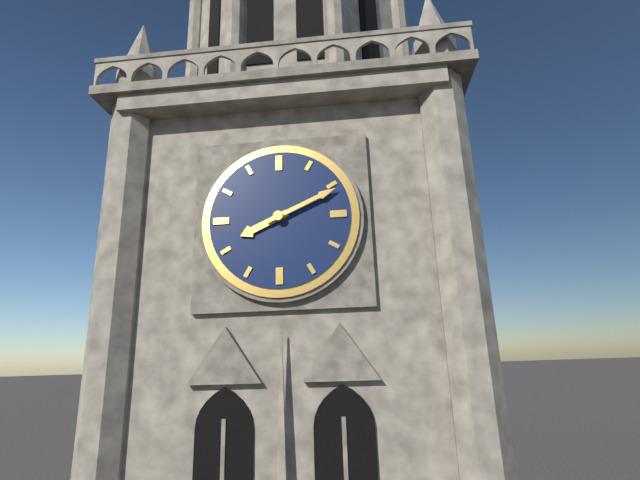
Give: 8h11
